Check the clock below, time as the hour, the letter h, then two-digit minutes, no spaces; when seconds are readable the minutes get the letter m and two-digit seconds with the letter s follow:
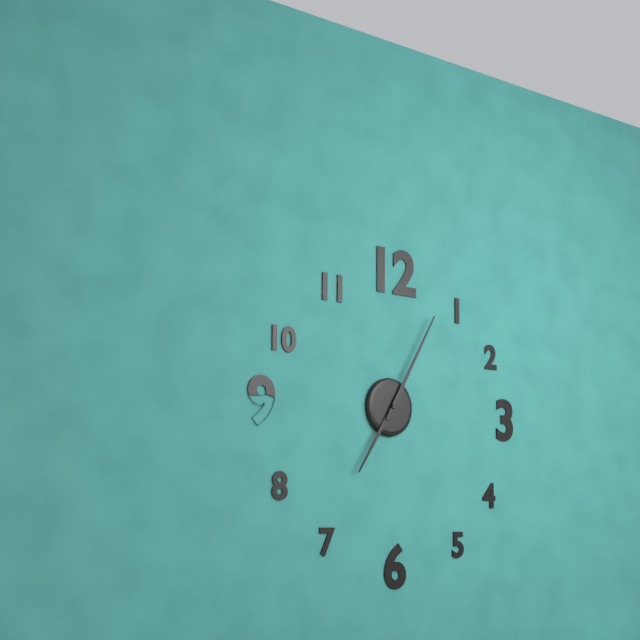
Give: 7h05
